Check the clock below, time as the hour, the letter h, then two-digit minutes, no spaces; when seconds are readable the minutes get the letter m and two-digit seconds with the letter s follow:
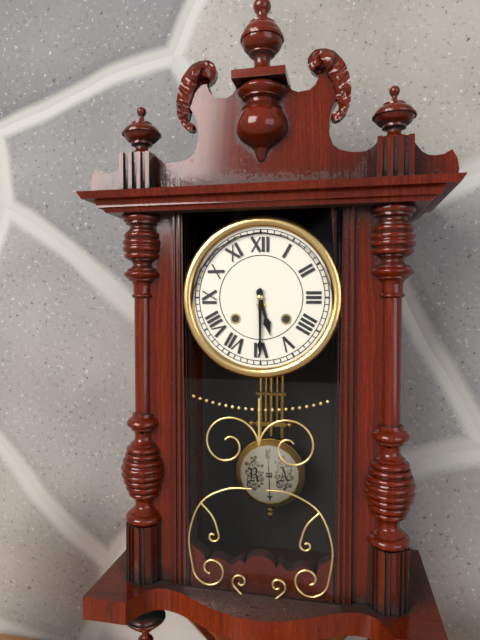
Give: 5h30
